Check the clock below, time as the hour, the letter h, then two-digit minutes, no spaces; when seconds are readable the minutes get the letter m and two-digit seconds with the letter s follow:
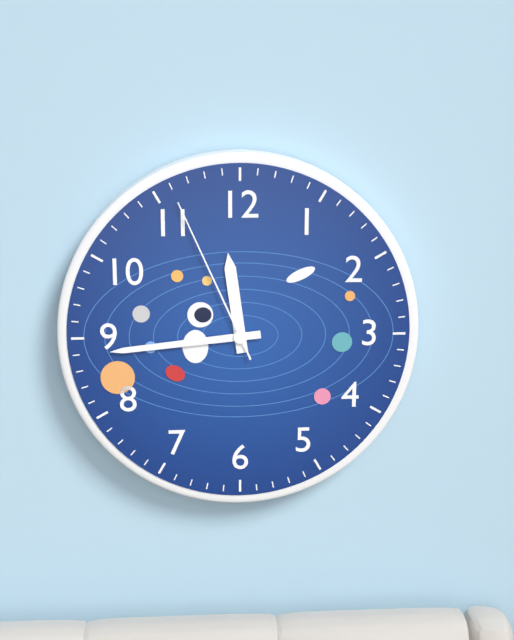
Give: 11h44m56s
